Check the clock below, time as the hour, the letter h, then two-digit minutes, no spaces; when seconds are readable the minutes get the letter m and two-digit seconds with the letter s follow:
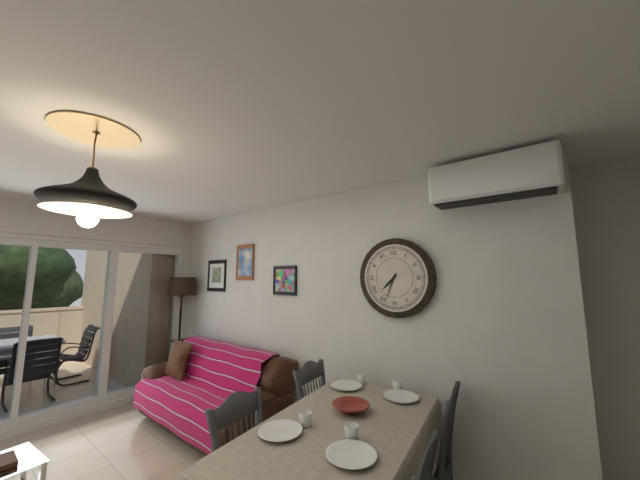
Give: 7h34
